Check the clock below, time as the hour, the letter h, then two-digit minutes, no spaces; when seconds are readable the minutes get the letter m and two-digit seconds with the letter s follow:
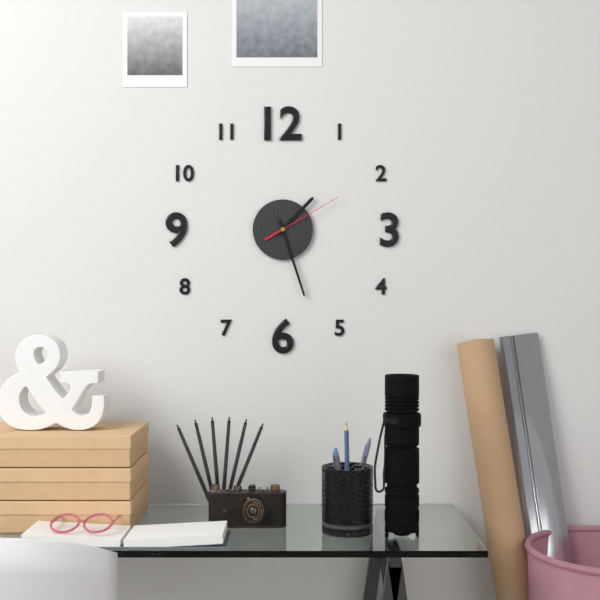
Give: 1h27m10s
